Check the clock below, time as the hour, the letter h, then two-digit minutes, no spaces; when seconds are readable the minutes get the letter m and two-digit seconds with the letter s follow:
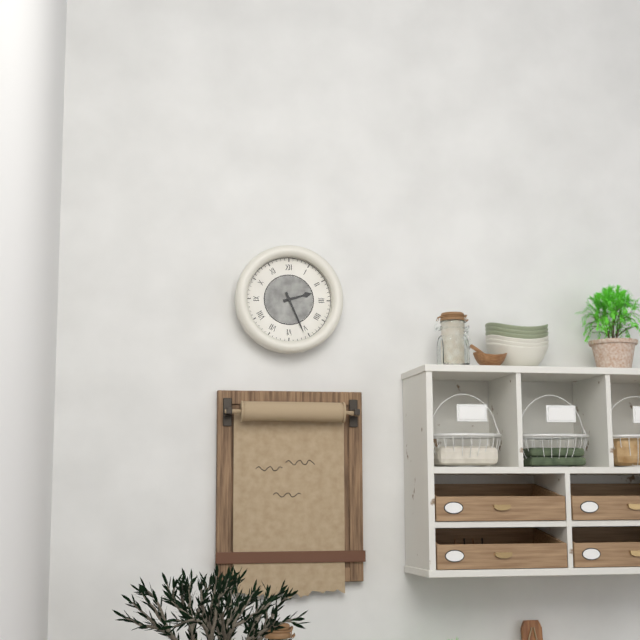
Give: 2h26
